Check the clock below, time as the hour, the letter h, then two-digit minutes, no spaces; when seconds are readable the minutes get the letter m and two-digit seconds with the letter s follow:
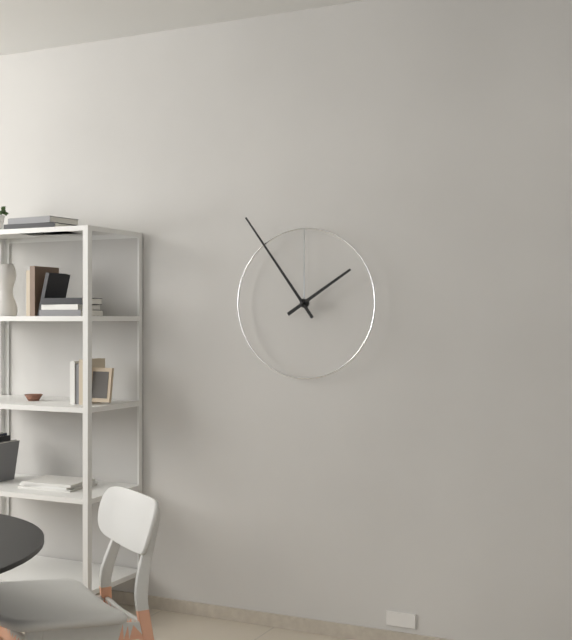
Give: 1h54
